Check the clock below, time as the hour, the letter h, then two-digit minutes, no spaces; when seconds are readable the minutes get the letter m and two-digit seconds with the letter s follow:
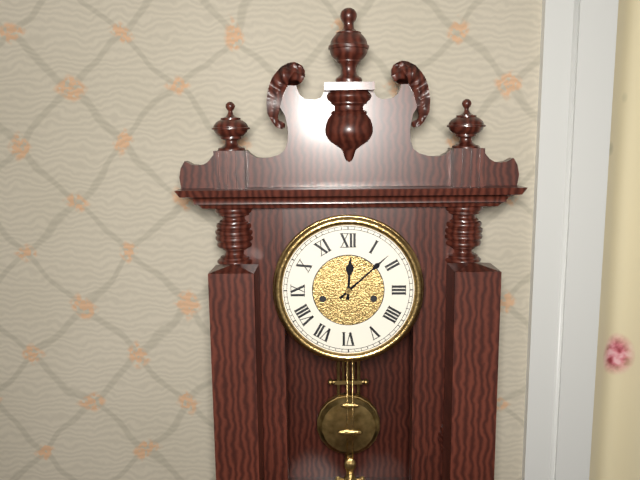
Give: 12h08
